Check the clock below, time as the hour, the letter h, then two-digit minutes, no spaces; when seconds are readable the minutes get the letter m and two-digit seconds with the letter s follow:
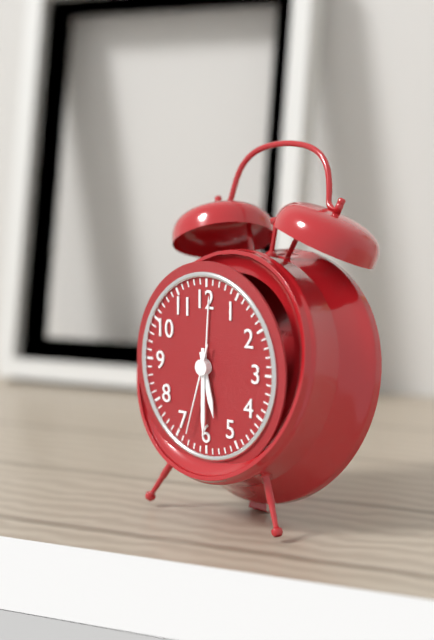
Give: 5h30m33s
